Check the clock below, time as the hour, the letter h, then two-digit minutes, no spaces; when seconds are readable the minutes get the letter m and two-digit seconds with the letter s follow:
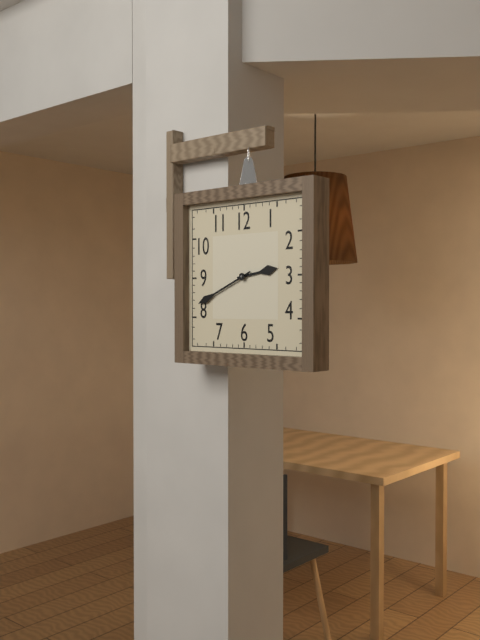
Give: 2h41
